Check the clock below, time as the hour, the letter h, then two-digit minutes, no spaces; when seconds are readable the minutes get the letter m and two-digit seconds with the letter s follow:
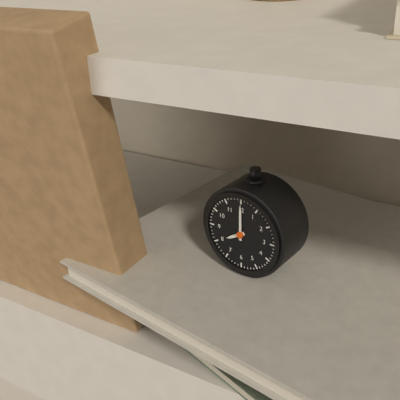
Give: 8h00
